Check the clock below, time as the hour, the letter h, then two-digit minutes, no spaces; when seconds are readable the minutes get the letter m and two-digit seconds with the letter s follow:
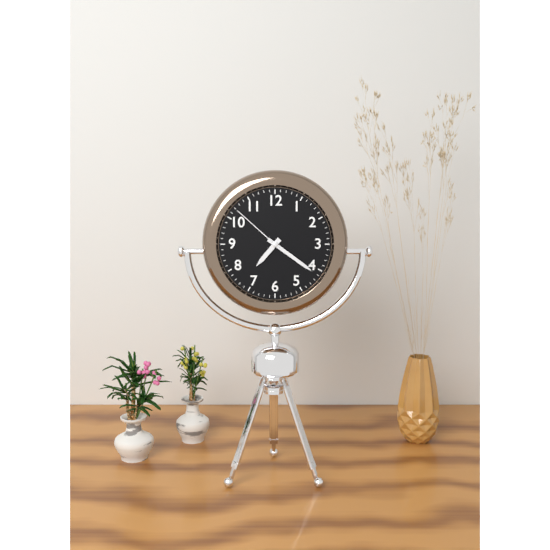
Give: 7h21m52s
